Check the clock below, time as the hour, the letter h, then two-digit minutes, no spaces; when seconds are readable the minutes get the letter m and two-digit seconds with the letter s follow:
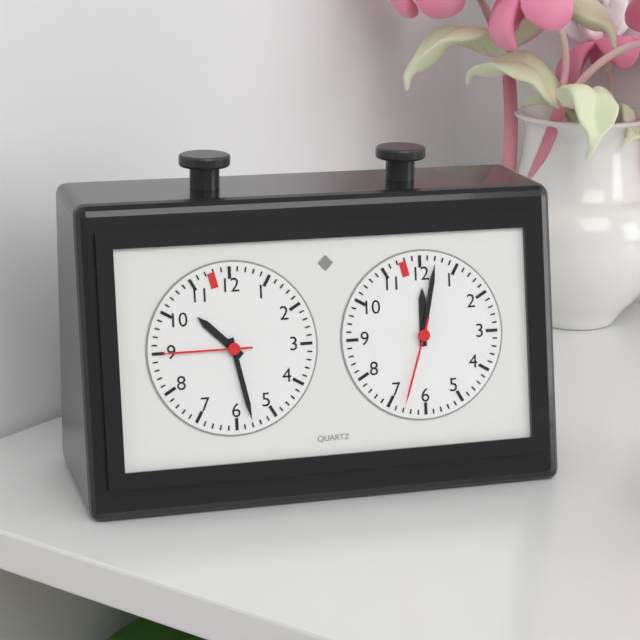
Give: 10h28m45s
